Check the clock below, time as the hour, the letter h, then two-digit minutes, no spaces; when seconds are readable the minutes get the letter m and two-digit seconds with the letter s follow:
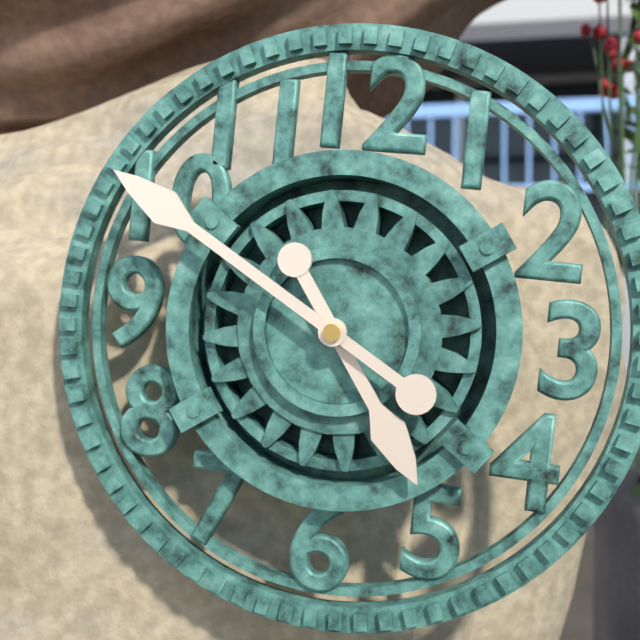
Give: 4h50
